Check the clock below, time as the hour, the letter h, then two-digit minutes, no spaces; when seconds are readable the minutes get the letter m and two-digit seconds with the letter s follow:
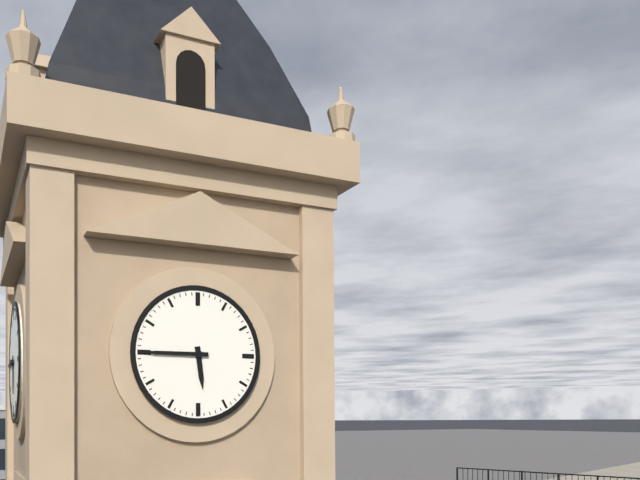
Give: 5h45
